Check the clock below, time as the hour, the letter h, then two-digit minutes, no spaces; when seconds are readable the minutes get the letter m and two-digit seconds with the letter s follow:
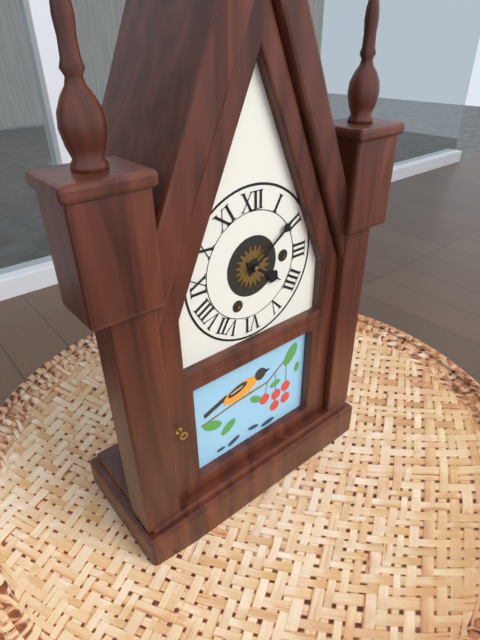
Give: 4h09
